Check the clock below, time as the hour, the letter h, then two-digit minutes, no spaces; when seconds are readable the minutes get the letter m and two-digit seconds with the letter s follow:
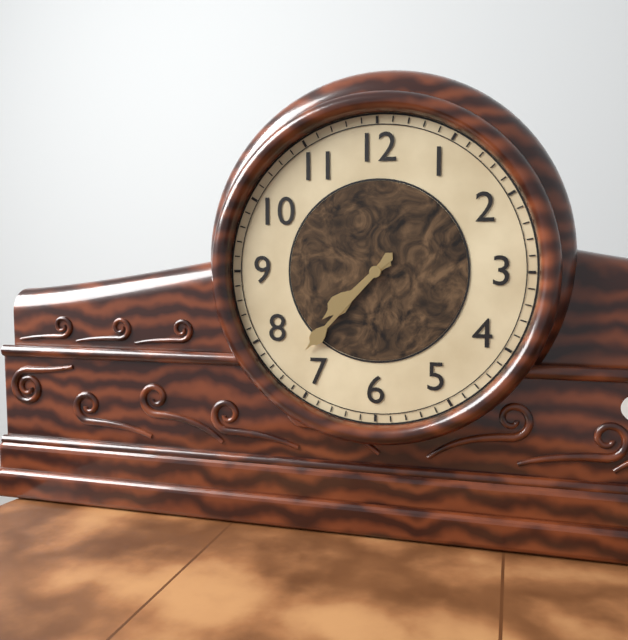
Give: 7h37
